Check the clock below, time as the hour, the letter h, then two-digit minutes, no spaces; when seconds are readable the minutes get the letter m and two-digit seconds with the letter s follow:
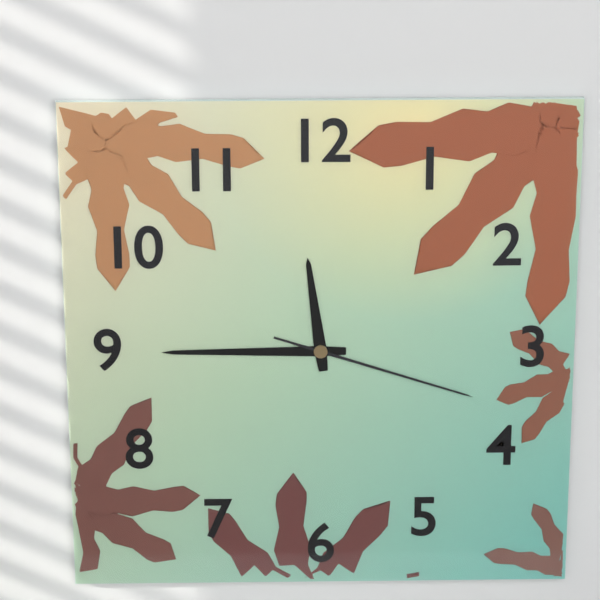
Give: 11h45m18s
